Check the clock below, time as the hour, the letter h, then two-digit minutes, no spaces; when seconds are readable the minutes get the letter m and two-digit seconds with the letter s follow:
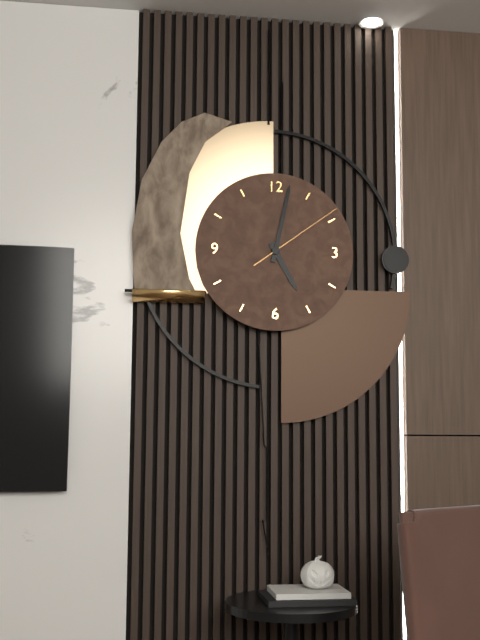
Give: 5h02m09s
